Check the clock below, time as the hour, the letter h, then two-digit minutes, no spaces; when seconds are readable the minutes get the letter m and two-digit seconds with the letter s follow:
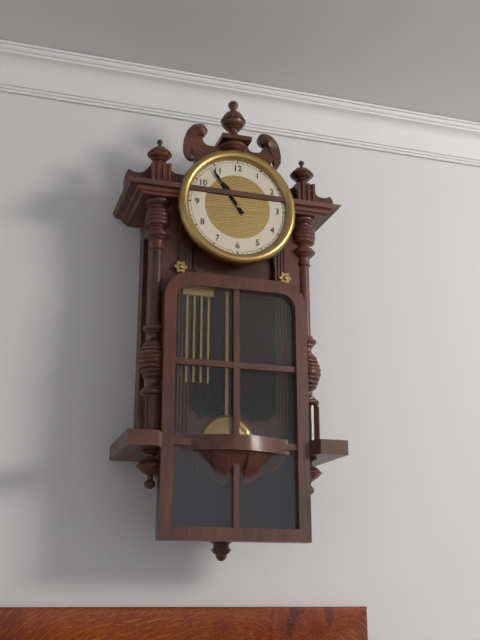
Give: 10h54
